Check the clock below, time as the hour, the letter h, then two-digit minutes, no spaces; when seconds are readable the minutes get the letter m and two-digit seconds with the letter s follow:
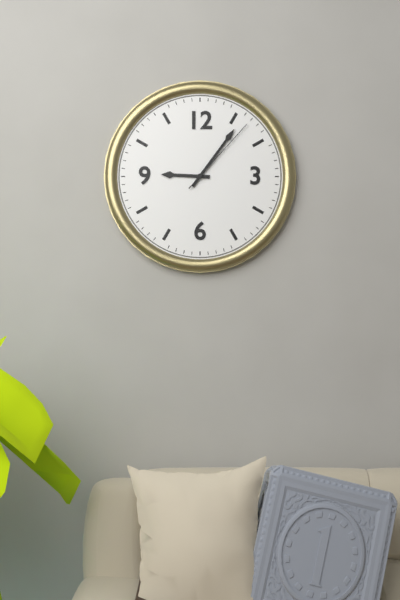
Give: 9h06m07s
